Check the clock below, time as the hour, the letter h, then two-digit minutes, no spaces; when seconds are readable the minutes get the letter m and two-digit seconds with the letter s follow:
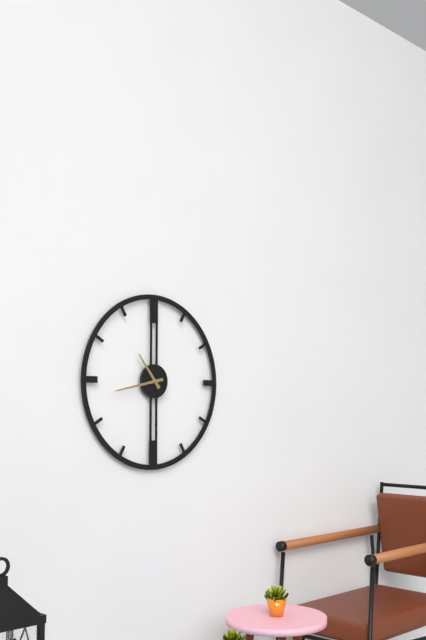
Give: 10h43
